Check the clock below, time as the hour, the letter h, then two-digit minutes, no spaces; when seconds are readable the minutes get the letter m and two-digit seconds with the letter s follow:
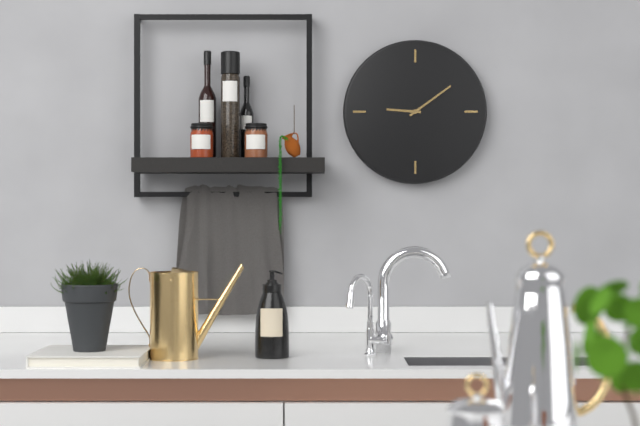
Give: 9h09
